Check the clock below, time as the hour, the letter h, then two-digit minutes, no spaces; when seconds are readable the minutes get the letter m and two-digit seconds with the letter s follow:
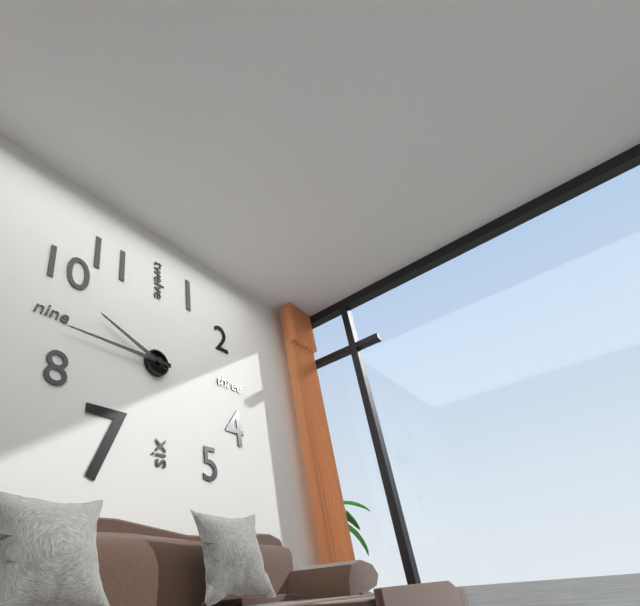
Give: 9h45
